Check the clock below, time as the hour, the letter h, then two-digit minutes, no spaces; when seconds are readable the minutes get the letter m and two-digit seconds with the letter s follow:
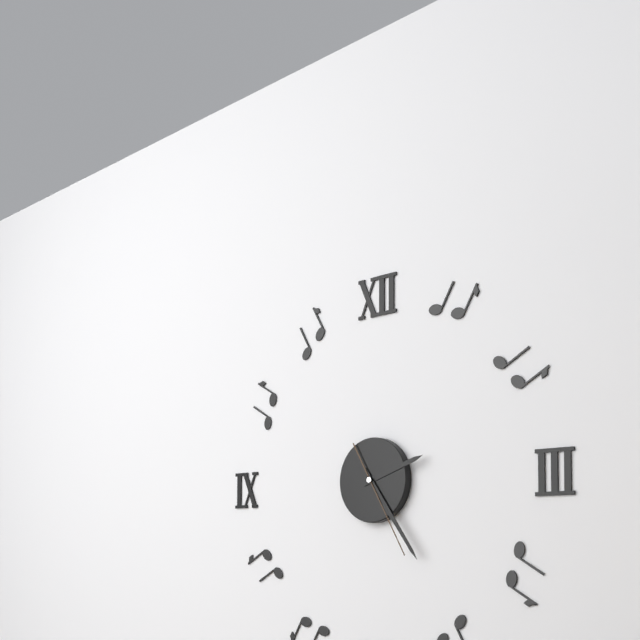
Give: 2h24m25s
